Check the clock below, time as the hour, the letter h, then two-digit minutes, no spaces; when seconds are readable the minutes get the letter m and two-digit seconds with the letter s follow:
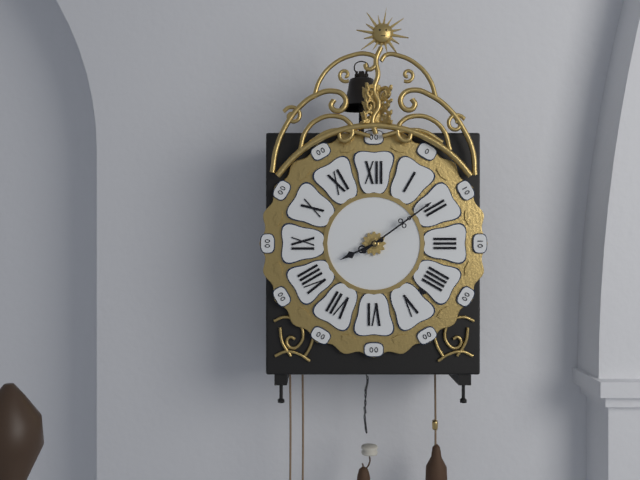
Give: 8h09
